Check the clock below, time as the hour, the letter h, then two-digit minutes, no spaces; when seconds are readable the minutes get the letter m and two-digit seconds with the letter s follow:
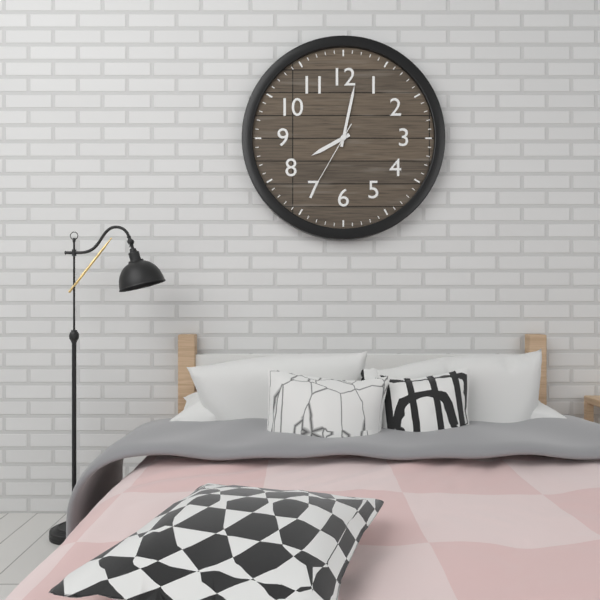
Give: 8h02m35s
